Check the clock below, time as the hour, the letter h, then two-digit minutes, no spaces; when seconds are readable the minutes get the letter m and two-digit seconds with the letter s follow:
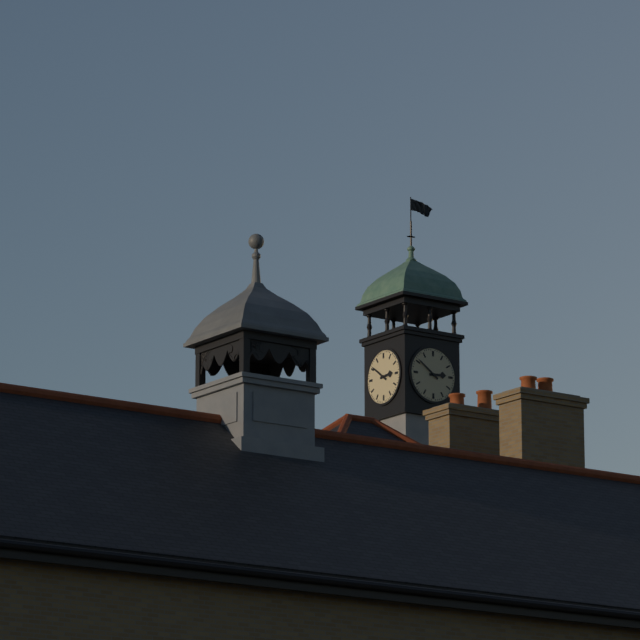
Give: 2h51
